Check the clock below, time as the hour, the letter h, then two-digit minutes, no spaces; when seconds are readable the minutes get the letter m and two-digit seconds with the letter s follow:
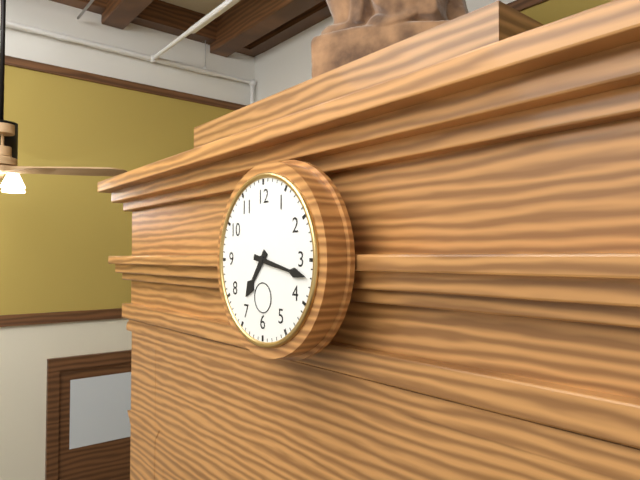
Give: 7h17
